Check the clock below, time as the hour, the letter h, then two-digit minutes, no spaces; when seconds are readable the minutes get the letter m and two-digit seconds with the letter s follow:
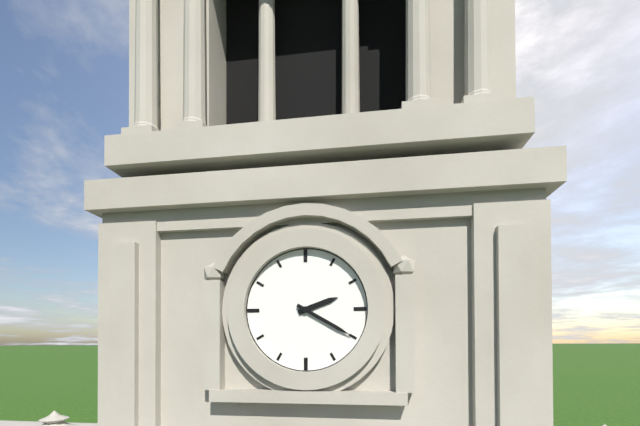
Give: 2h20
